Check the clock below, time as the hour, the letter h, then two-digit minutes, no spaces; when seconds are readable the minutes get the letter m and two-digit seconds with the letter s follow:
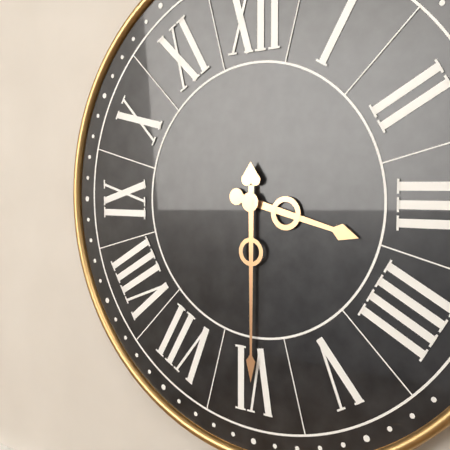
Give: 3h30
